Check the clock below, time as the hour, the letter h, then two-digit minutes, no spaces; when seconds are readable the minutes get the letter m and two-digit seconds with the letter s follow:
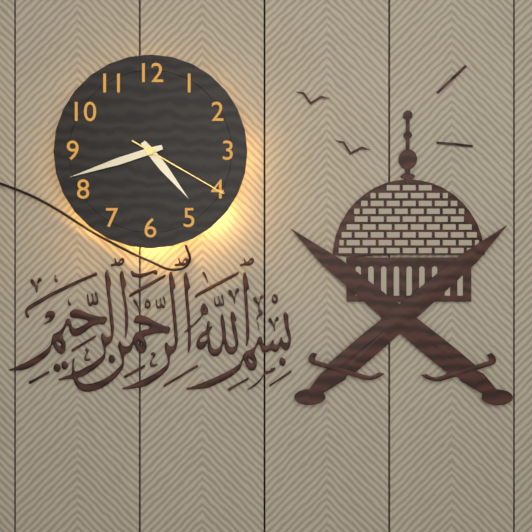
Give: 4h42m20s
